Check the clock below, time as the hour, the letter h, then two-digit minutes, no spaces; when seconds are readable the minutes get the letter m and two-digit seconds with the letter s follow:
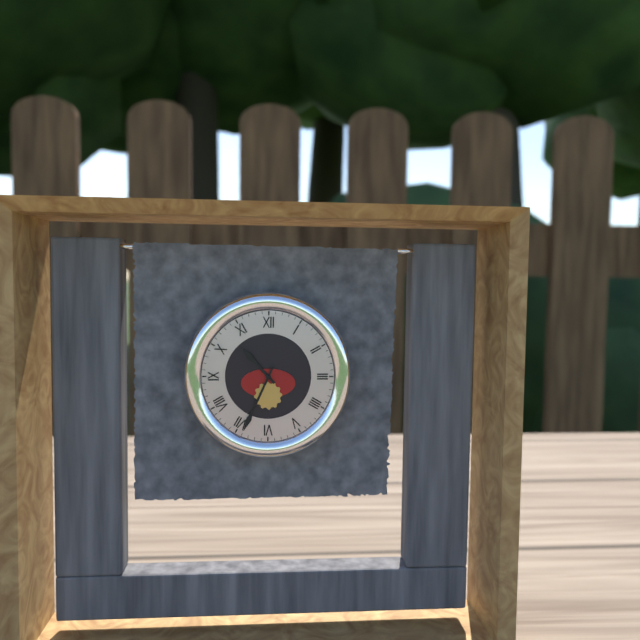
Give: 10h34
